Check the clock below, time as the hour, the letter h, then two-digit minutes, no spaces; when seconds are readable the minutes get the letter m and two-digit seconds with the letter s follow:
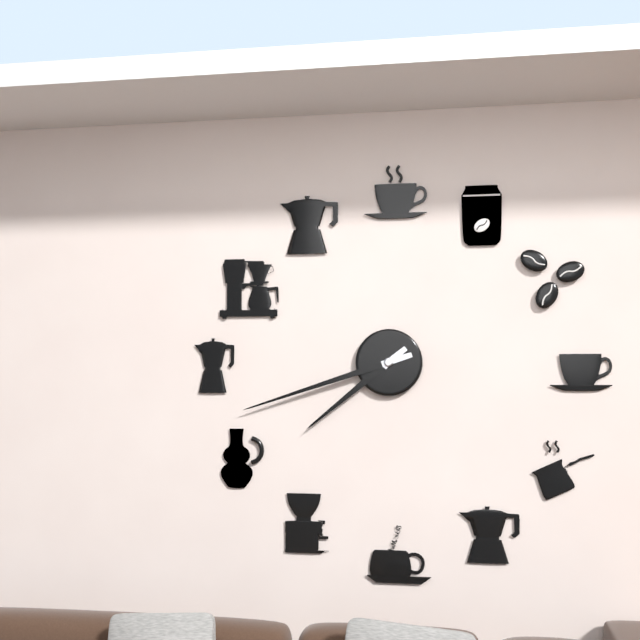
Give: 7h42
